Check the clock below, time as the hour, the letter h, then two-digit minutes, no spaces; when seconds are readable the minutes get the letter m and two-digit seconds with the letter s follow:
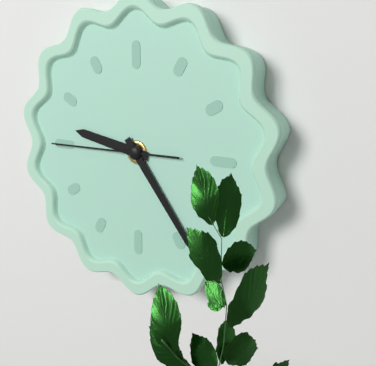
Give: 9h24m45s
